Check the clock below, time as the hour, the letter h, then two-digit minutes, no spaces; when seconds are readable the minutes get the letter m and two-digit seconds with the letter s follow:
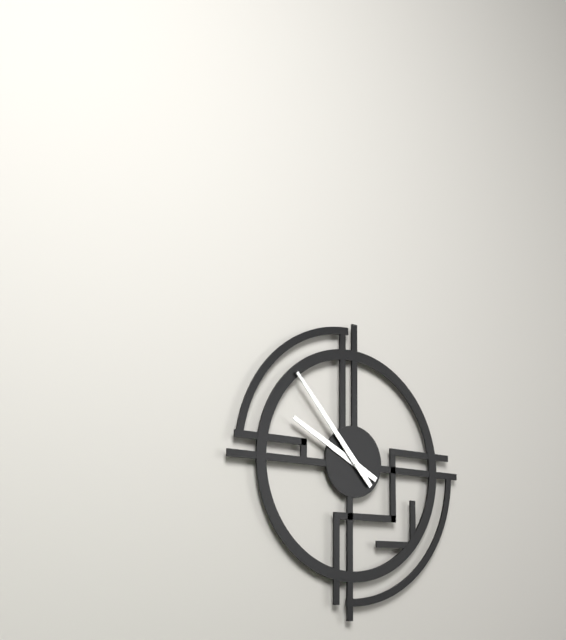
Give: 9h53
